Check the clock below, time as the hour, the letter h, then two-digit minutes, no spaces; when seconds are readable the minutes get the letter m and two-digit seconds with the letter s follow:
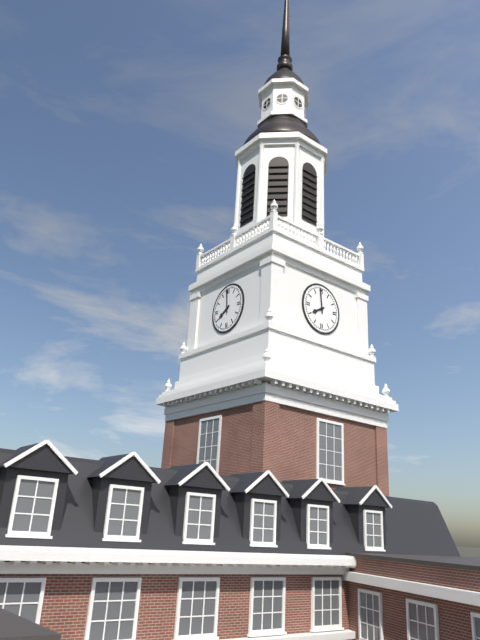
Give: 7h59
